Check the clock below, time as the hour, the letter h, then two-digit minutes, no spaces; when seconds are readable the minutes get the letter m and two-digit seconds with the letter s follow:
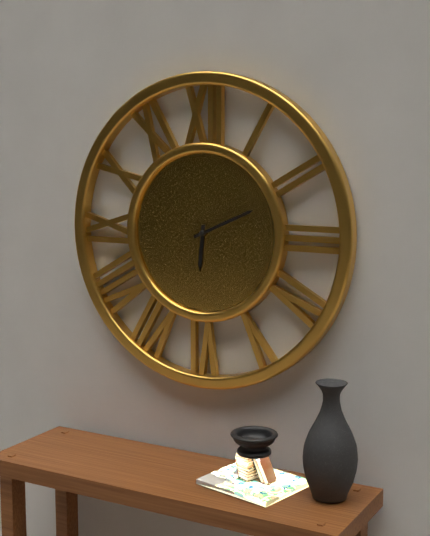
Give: 6h11
